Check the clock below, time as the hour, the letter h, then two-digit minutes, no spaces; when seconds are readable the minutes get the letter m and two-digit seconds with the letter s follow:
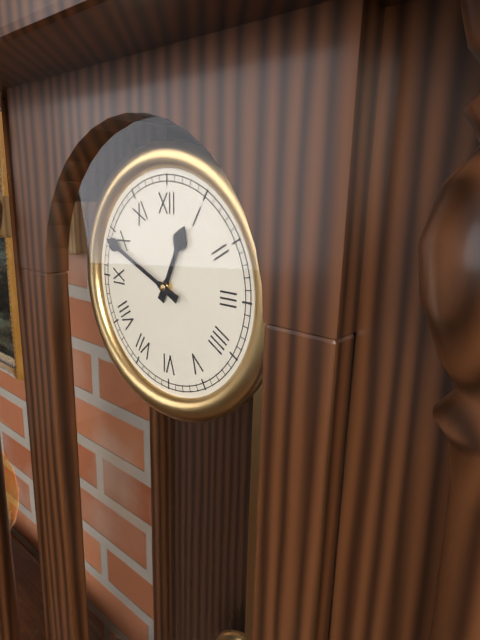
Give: 12h49
